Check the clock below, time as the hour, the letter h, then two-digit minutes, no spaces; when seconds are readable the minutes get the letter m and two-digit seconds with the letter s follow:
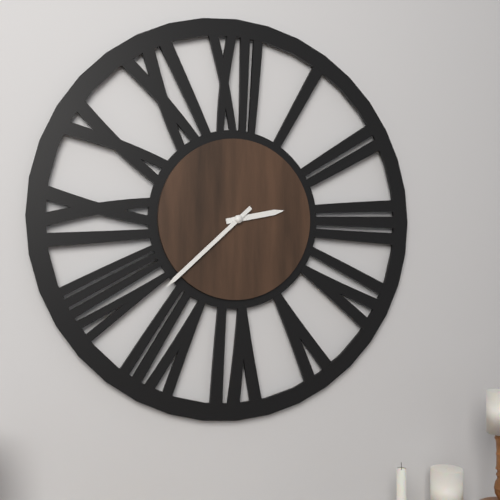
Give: 2h38
